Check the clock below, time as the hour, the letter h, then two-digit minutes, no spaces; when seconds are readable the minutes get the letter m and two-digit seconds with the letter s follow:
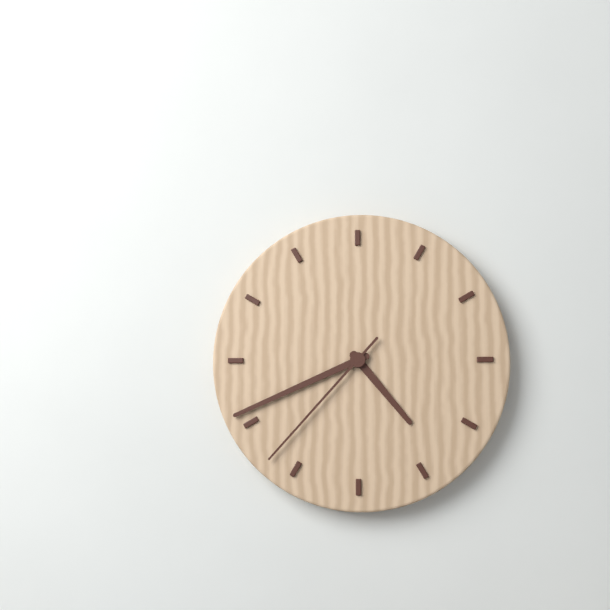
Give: 4h41m37s
